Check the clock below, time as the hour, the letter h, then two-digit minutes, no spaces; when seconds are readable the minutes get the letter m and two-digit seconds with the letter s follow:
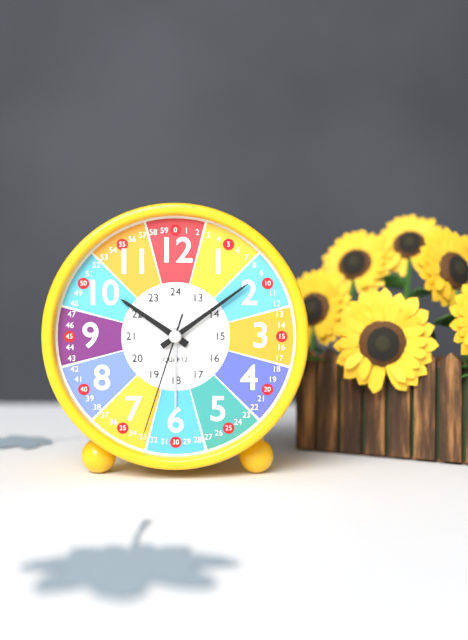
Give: 10h09m33s
